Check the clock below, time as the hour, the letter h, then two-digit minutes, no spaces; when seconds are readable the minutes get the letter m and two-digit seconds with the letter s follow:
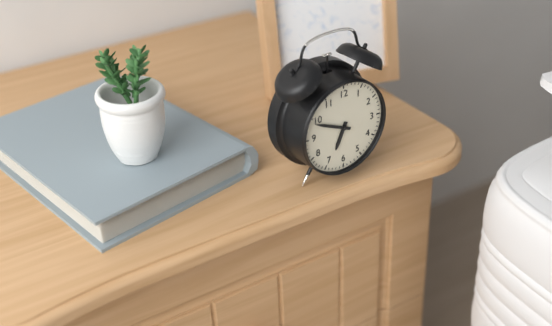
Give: 6h49
